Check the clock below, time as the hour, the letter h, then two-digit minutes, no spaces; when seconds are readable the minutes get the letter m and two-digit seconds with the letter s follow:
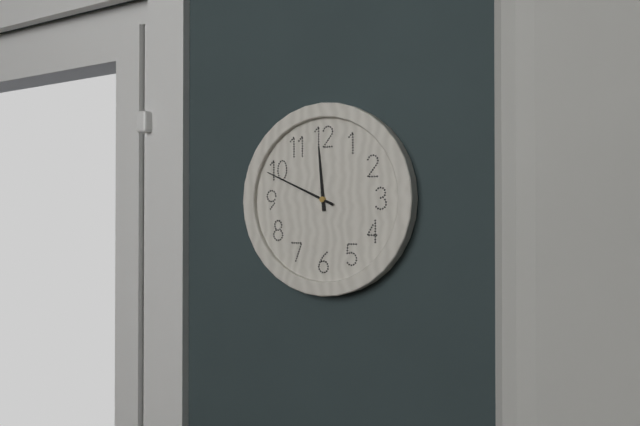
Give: 11h49
